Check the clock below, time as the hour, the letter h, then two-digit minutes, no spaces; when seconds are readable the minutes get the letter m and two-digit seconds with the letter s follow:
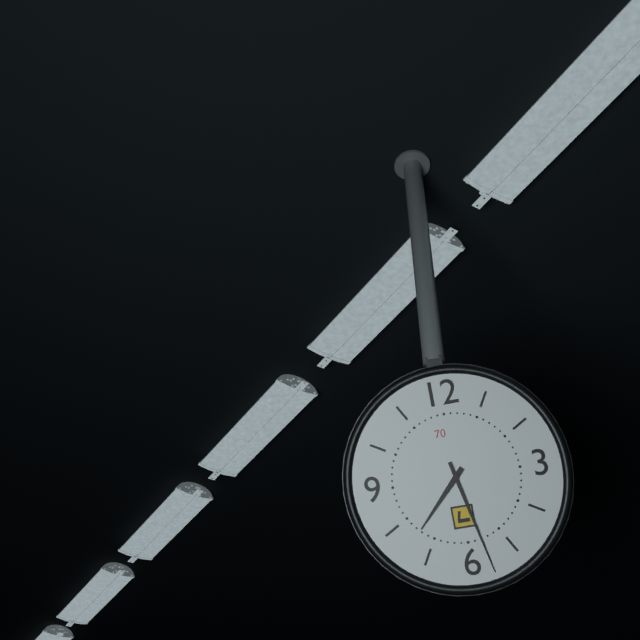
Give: 7h28
